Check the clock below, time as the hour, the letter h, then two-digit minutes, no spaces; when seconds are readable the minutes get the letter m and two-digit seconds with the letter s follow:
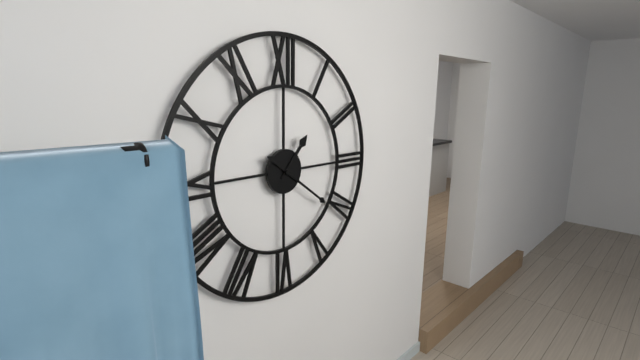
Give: 1h21
